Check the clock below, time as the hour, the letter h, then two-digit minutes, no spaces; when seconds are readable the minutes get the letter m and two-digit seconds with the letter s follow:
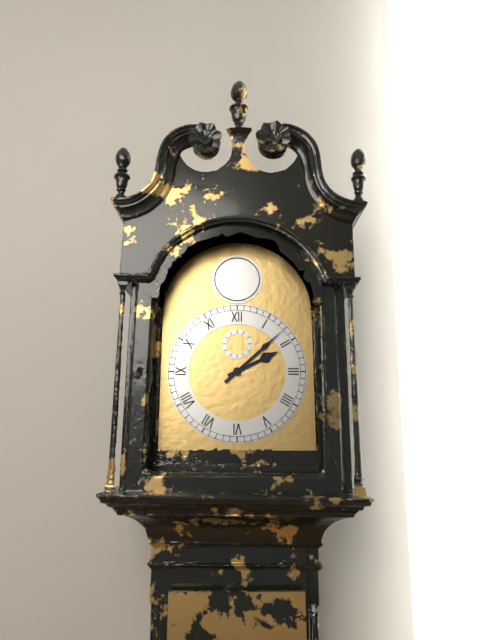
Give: 2h08
